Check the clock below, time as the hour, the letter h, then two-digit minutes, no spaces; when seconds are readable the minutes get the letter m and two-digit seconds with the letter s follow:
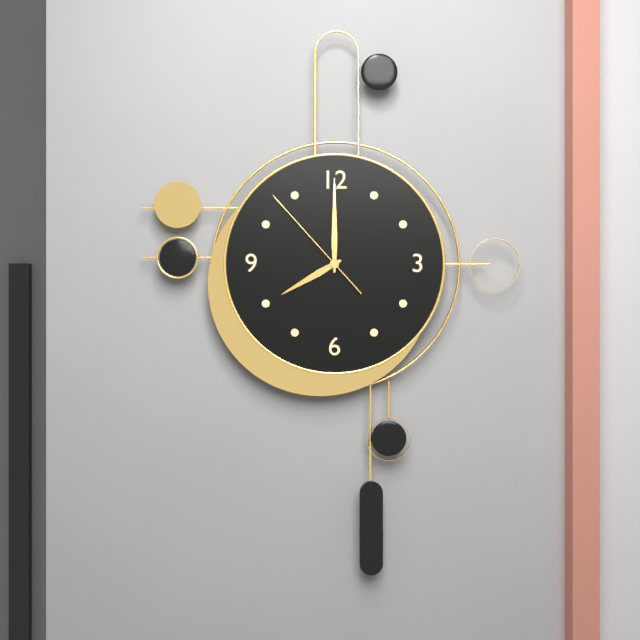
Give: 8h00m53s
